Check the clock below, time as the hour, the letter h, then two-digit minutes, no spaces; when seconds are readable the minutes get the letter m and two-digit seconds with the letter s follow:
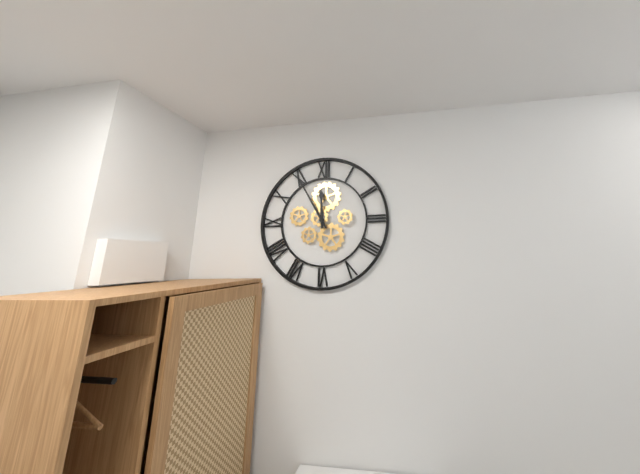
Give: 11h55
